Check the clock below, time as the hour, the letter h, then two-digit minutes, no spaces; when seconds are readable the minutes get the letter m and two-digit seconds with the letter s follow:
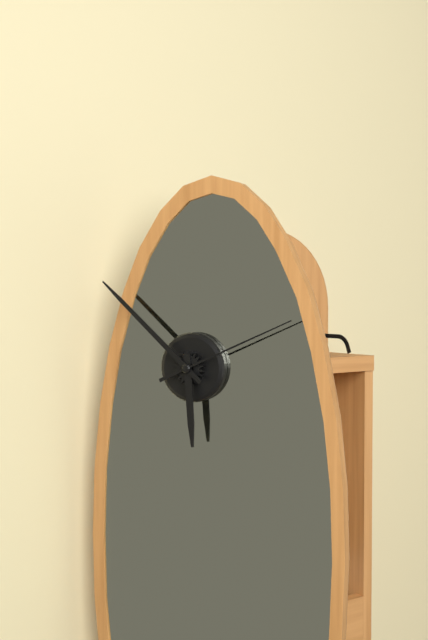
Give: 5h52m11s
